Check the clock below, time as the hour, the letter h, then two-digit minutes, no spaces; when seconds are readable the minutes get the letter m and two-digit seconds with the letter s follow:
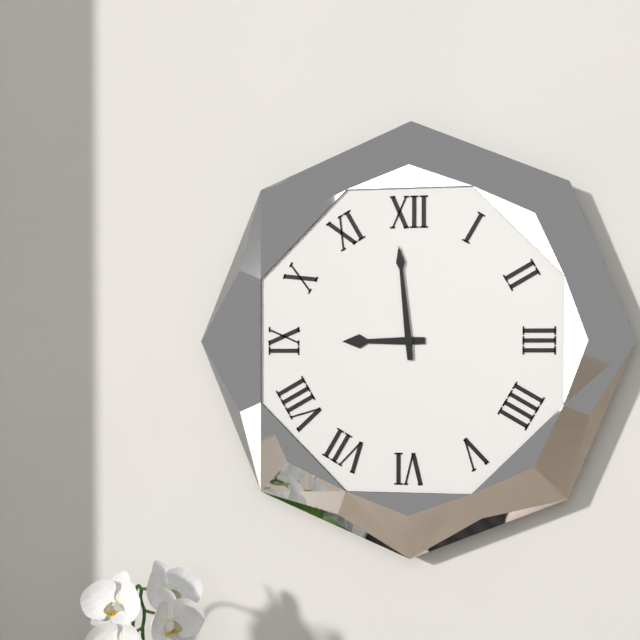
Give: 8h59
